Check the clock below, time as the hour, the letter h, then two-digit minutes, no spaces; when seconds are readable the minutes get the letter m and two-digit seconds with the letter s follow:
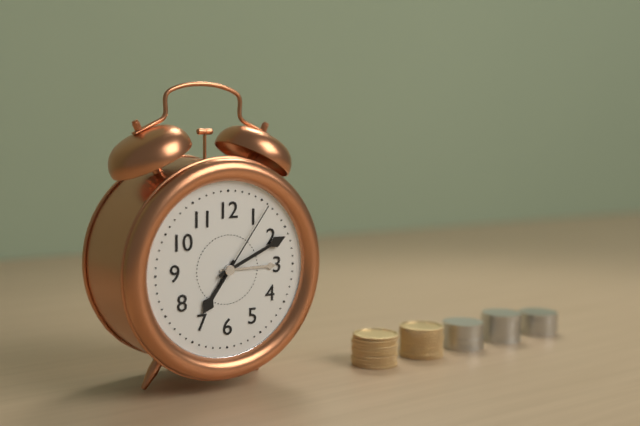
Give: 7h11m06s
